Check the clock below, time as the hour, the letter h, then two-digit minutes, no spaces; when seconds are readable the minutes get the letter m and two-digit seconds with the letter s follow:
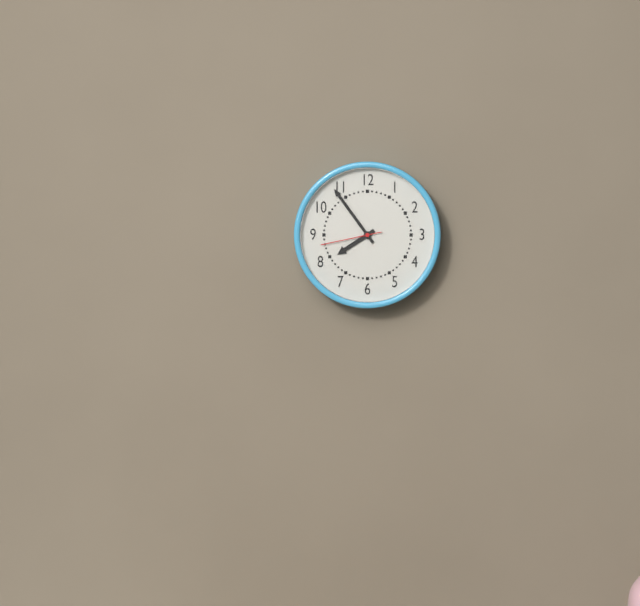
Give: 7h54m43s
